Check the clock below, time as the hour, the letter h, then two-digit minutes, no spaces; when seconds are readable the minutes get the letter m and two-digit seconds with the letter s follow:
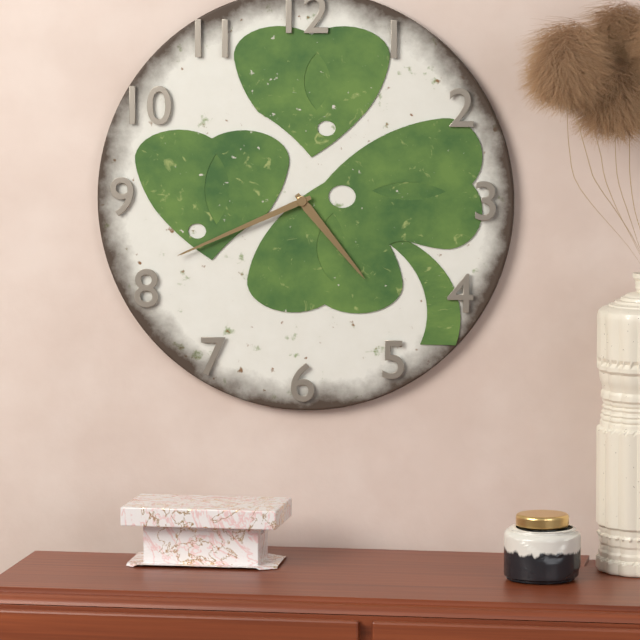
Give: 4h41
